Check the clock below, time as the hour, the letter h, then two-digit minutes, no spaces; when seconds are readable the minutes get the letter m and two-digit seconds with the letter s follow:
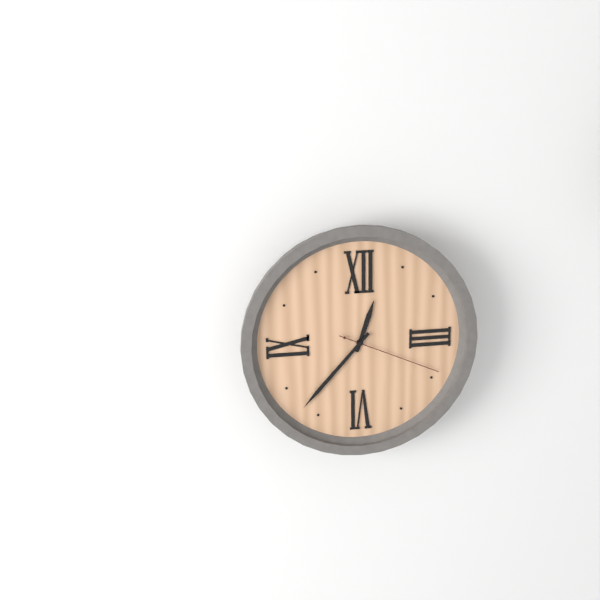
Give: 12h37m19s
